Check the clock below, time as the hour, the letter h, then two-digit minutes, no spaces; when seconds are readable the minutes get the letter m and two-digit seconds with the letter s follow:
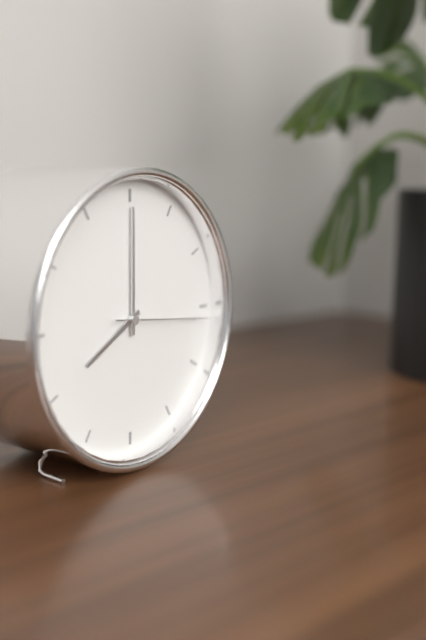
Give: 8h00m16s
